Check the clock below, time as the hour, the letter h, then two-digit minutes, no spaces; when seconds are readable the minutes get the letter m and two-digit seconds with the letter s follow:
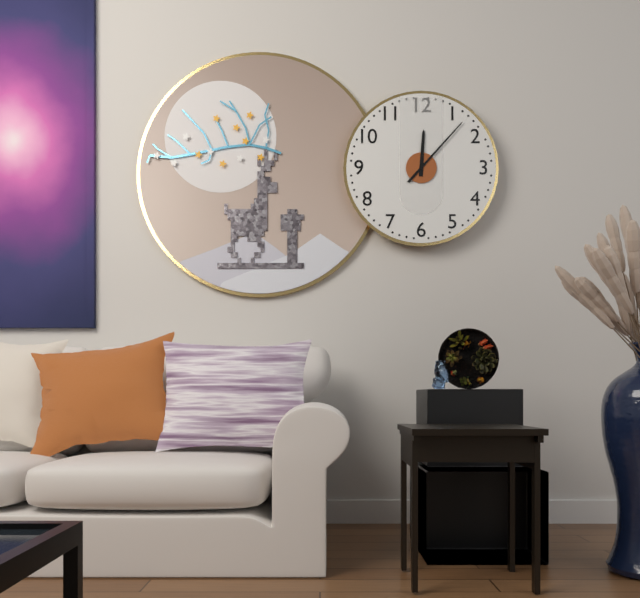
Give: 12h07
